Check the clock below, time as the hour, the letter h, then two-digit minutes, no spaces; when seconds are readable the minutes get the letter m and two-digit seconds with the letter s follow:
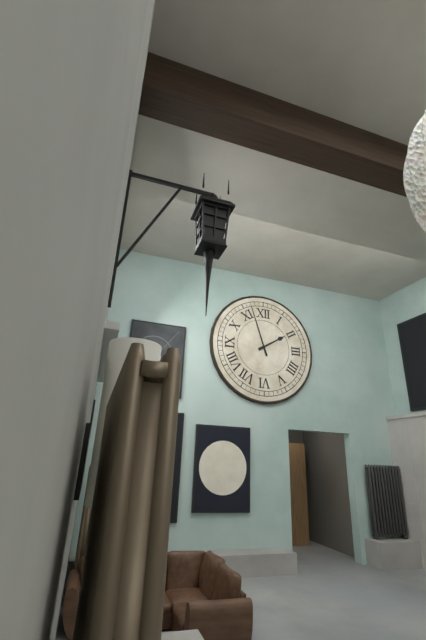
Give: 1h57
